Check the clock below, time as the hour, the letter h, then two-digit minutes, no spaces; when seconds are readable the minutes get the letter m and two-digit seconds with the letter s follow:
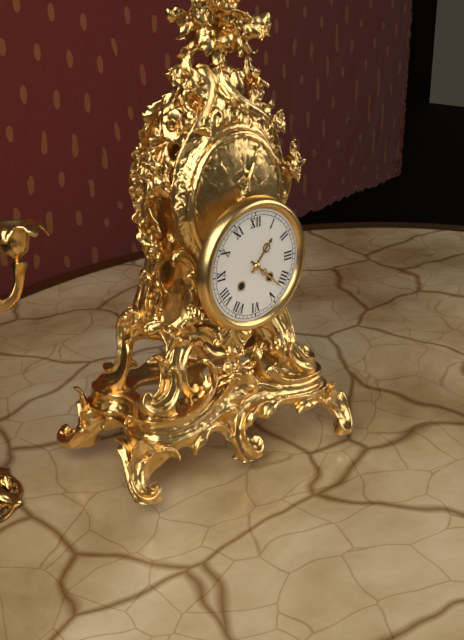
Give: 1h22
